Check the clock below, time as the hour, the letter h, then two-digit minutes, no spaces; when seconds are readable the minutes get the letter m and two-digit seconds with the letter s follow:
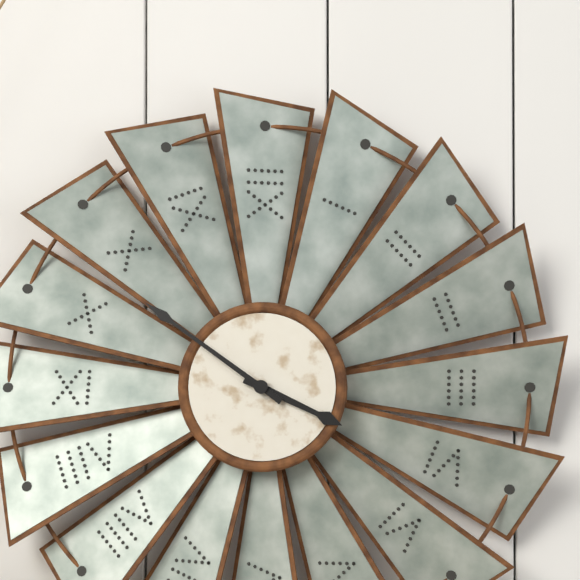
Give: 3h51
